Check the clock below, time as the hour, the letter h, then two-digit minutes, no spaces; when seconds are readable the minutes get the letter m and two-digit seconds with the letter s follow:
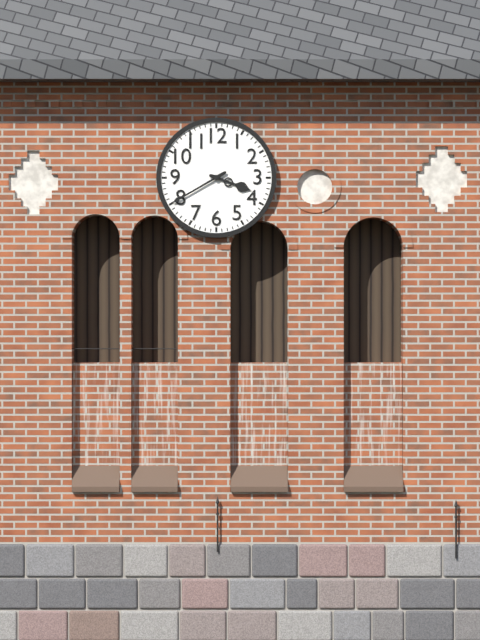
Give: 3h40
